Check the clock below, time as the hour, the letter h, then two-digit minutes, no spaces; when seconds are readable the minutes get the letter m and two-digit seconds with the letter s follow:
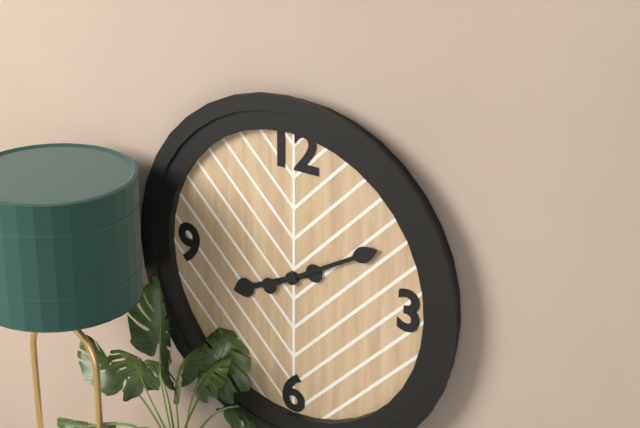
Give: 8h10
